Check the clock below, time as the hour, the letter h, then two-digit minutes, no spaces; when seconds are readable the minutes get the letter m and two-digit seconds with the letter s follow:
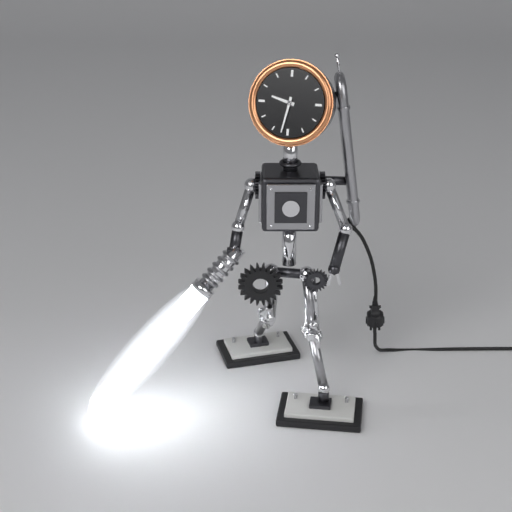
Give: 9h32
